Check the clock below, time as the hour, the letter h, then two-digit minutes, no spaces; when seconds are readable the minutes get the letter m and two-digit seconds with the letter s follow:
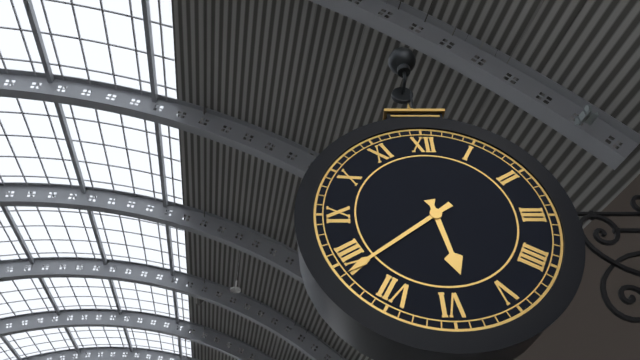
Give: 5h39
